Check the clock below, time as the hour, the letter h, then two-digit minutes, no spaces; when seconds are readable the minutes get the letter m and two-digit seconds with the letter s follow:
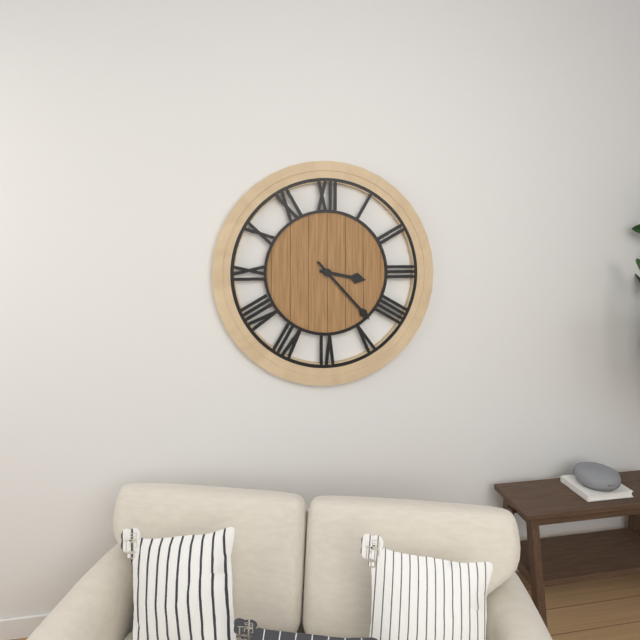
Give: 3h23
